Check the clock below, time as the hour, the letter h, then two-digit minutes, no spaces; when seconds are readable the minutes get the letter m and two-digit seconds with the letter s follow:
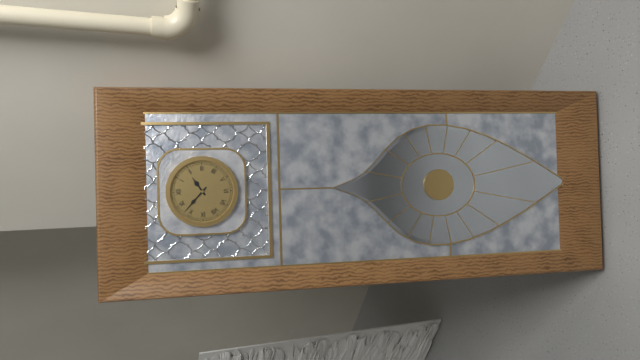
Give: 1h52
